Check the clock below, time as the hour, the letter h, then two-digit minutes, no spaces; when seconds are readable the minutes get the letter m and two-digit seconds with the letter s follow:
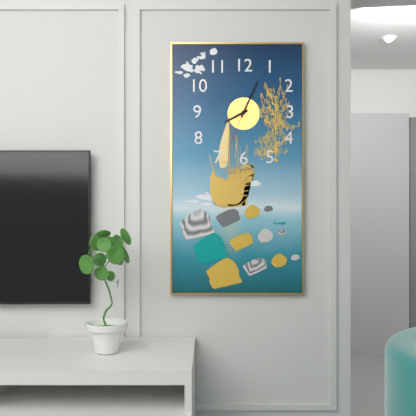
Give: 8h04
